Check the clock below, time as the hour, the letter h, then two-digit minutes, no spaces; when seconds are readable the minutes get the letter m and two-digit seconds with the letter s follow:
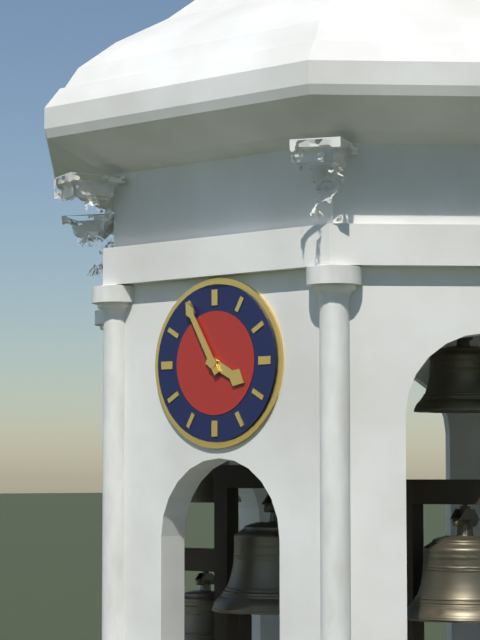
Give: 3h55
